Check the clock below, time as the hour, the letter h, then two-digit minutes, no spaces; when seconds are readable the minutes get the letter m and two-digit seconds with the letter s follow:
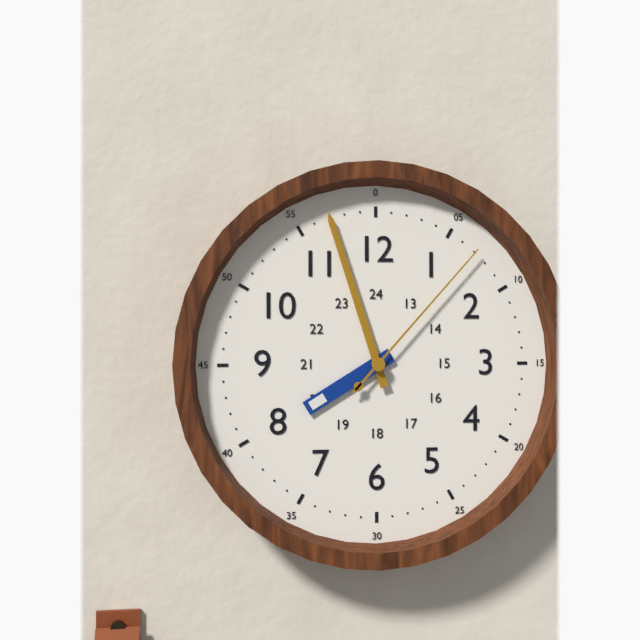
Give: 7h57m07s
